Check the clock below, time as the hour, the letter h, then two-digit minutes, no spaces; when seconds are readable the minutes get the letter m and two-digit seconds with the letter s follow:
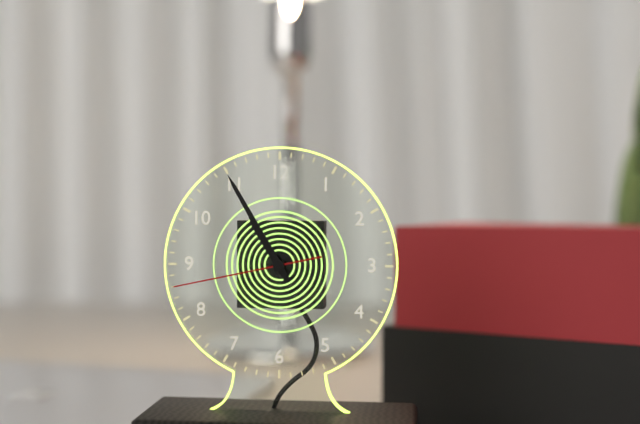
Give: 10h55m43s
